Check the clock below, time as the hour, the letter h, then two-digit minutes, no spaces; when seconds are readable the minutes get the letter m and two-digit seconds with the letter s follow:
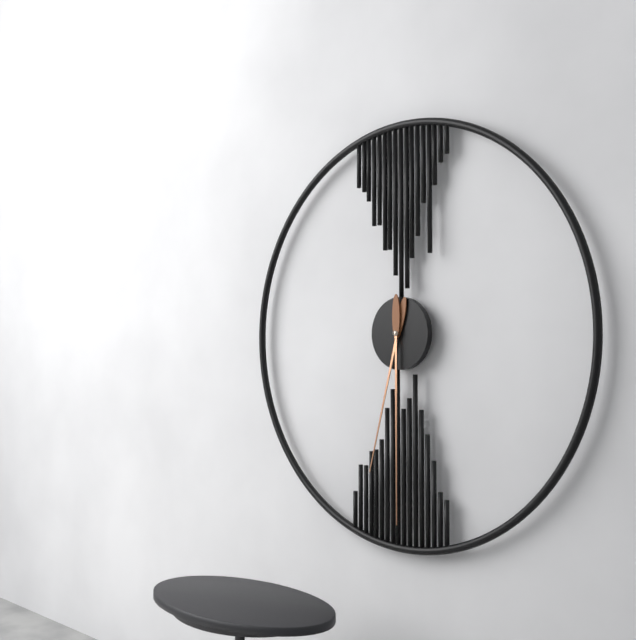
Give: 6h30
